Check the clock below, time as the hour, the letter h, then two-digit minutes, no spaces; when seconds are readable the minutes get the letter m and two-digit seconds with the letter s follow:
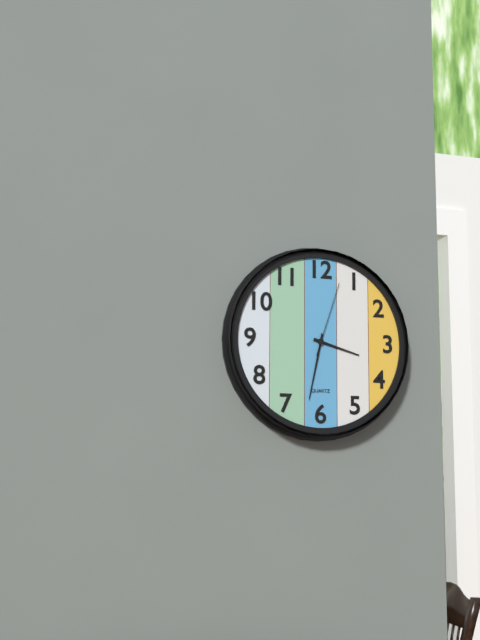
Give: 3h32m03s
